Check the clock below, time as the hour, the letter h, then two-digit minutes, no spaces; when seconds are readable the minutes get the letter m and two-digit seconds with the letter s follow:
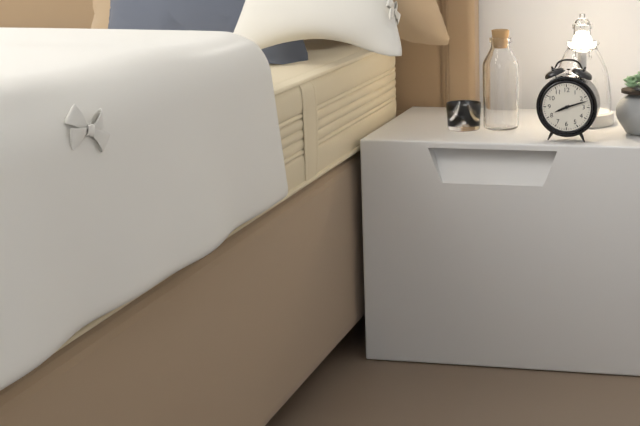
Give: 8h12
